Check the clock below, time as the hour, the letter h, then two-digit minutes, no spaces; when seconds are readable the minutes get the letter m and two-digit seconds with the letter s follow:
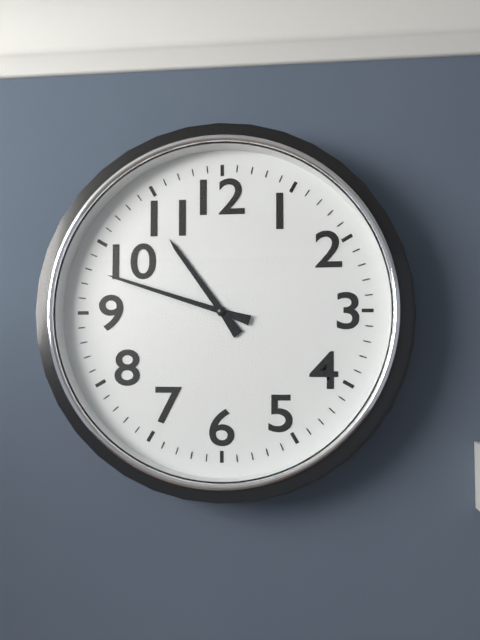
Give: 10h48
